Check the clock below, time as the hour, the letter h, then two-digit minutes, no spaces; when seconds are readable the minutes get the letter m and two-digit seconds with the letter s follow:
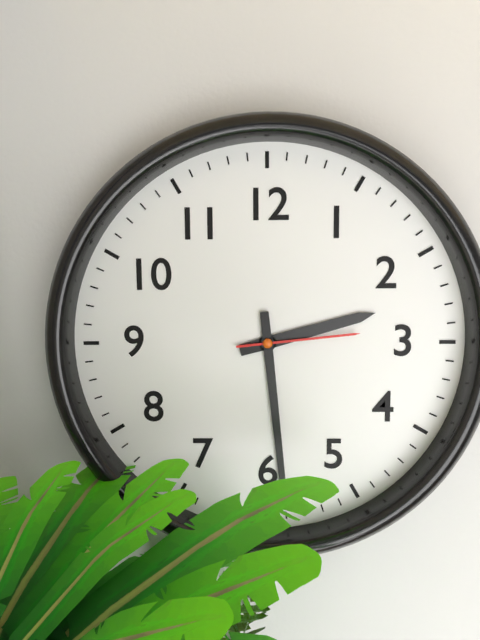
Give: 2h29m14s
